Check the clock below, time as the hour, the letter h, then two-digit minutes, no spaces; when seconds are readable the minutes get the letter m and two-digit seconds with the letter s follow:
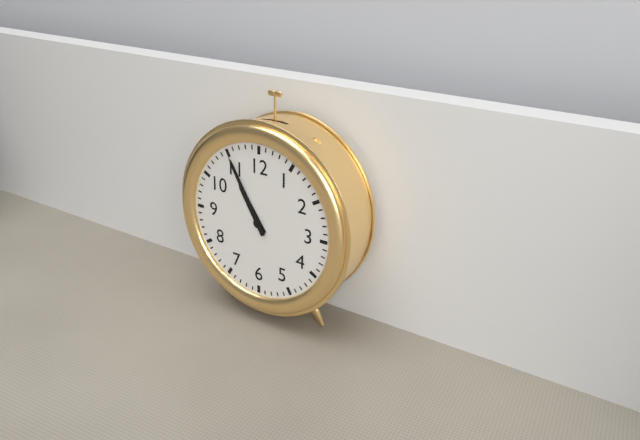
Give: 10h55
